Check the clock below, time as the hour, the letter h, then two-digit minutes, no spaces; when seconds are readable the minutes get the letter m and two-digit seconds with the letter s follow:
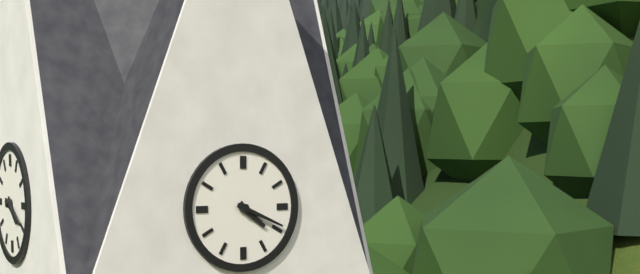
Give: 4h19
